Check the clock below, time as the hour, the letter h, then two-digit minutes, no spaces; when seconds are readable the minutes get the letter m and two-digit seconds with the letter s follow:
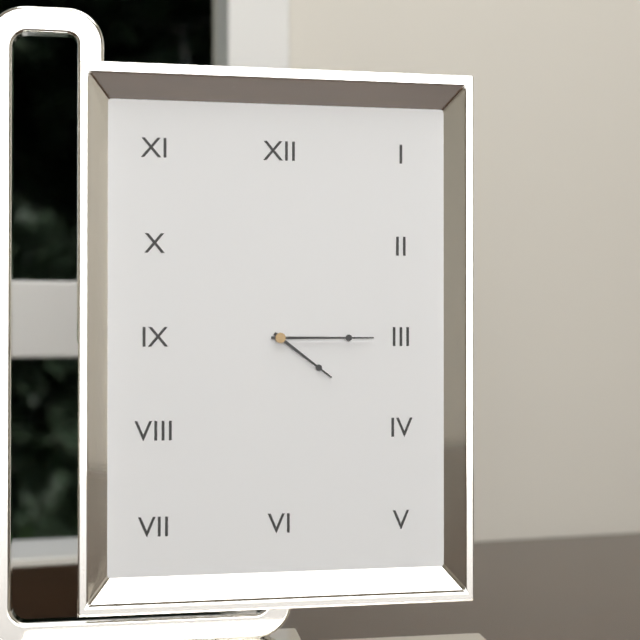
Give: 4h15
